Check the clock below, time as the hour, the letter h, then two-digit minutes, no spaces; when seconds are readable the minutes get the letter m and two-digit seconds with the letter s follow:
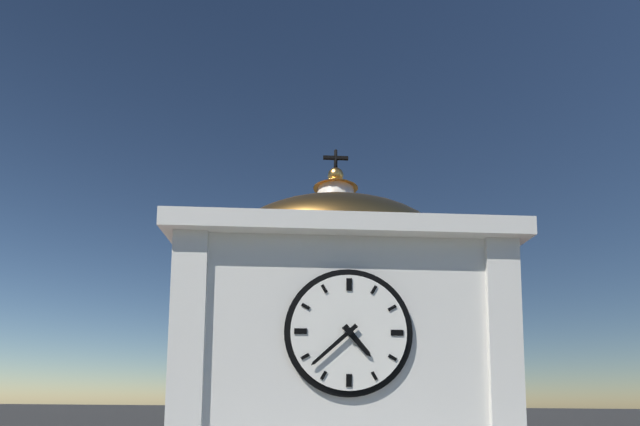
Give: 4h38
